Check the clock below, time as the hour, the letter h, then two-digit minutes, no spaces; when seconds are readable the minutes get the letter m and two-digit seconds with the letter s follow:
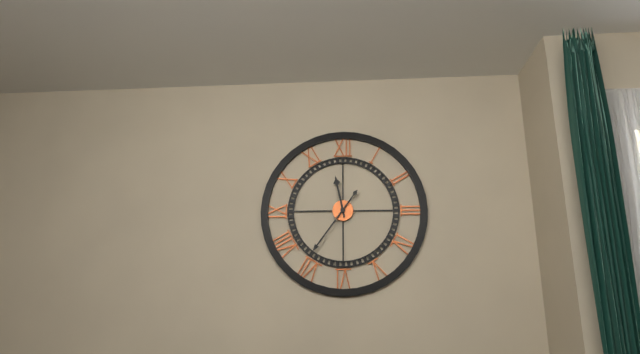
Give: 11h36
